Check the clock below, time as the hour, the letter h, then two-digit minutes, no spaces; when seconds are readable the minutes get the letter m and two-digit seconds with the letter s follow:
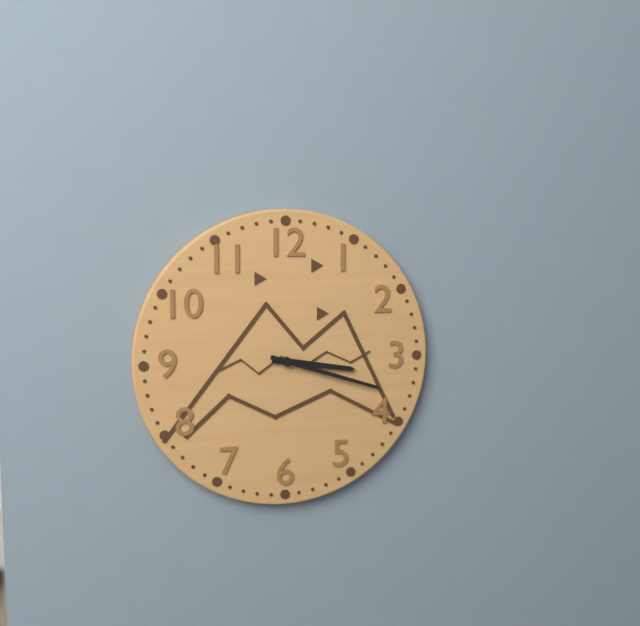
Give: 3h18
